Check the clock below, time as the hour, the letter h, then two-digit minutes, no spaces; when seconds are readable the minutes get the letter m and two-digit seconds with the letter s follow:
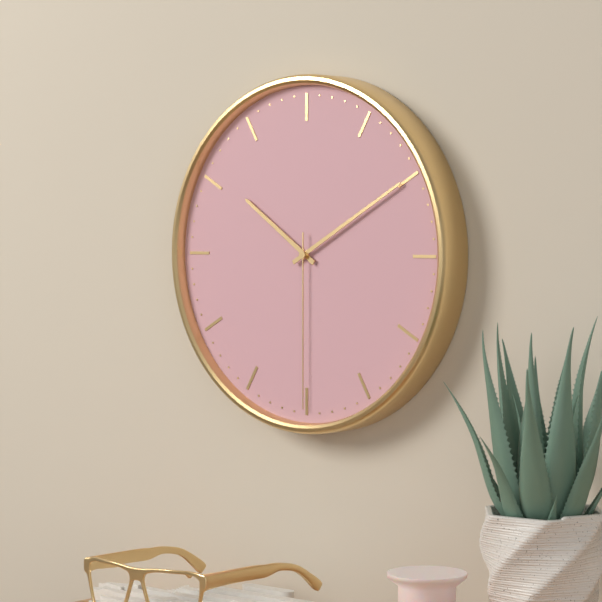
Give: 10h10m30s
